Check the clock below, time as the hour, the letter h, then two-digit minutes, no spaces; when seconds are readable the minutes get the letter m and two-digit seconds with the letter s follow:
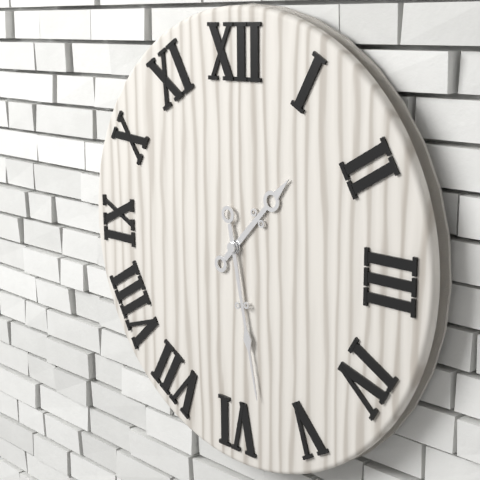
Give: 1h28
